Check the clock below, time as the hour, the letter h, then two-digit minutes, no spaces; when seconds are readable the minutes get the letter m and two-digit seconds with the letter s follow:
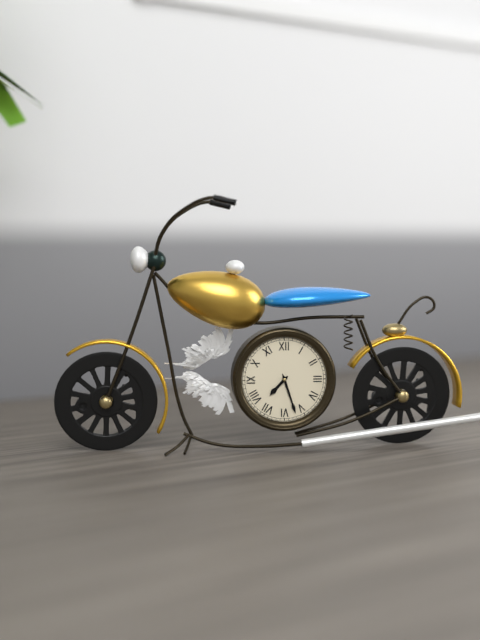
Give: 7h27
